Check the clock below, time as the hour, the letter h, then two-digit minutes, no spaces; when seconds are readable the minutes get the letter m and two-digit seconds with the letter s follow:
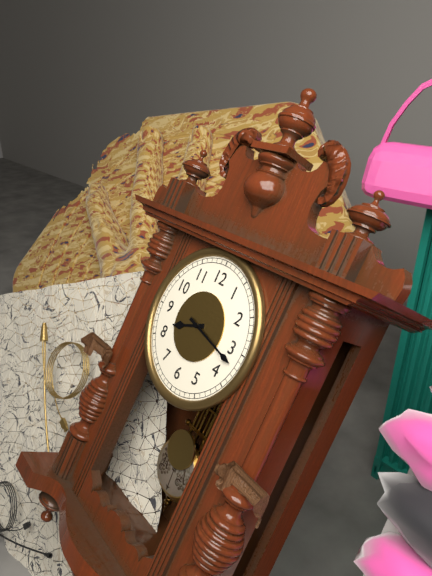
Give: 8h17
